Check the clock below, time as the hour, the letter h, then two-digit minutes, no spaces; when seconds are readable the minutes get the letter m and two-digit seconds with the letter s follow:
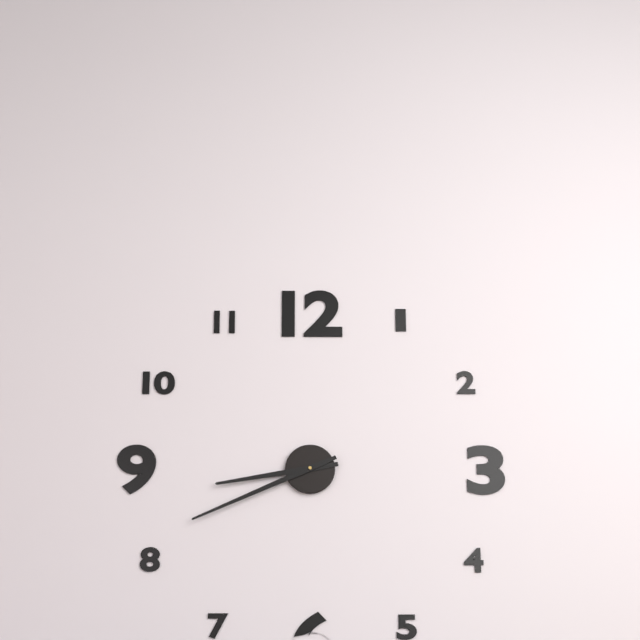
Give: 8h41
